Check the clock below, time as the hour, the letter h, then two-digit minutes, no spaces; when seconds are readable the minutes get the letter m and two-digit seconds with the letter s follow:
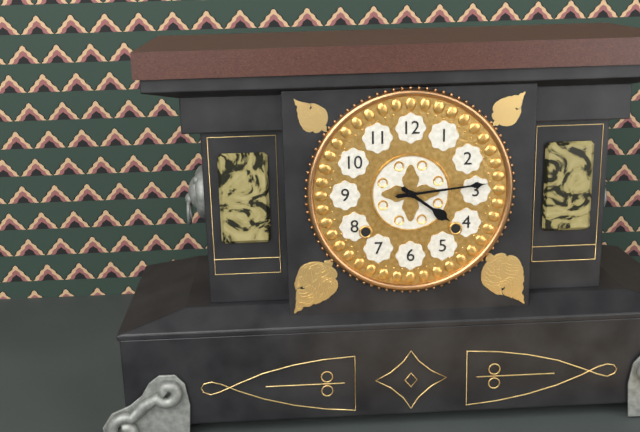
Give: 4h14
